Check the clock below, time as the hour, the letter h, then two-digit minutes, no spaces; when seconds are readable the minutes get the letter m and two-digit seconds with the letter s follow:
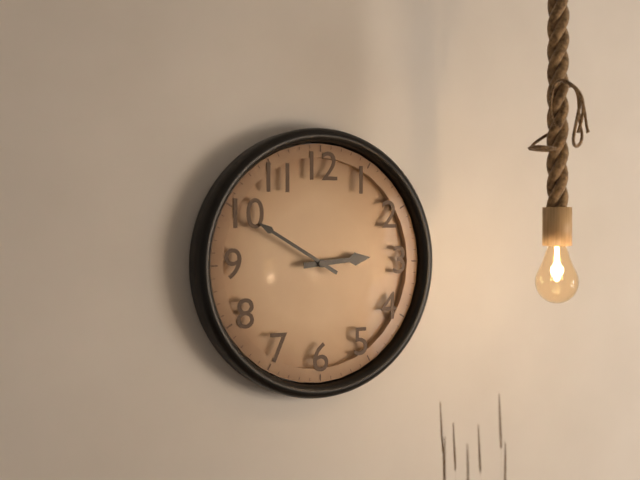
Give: 2h50
